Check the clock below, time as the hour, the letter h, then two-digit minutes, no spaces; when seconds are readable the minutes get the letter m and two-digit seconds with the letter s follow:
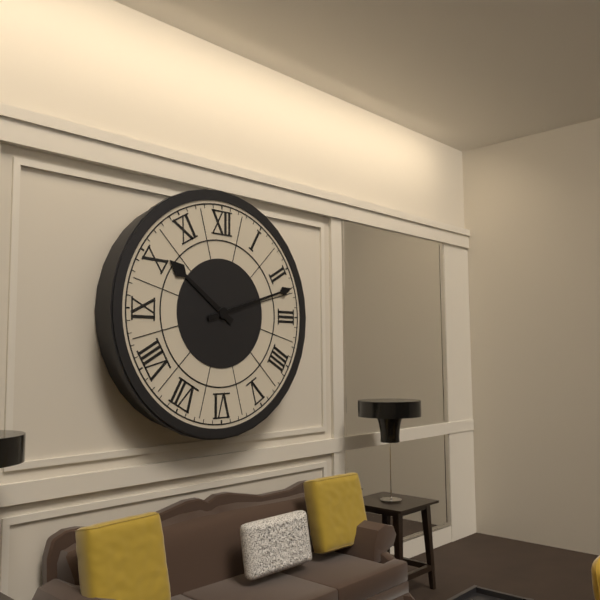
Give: 10h12
